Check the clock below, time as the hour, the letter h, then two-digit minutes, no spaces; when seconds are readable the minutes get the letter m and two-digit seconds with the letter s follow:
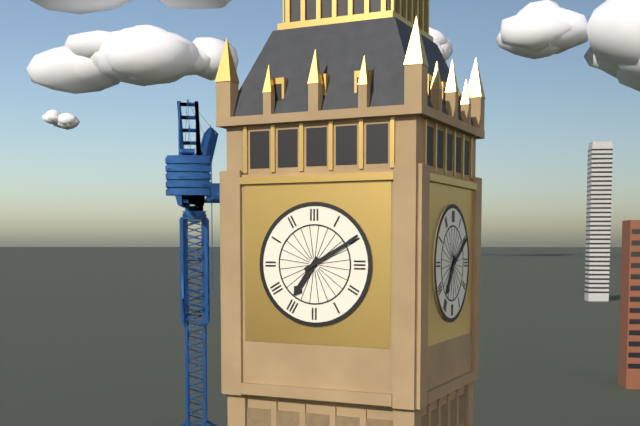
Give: 7h10
